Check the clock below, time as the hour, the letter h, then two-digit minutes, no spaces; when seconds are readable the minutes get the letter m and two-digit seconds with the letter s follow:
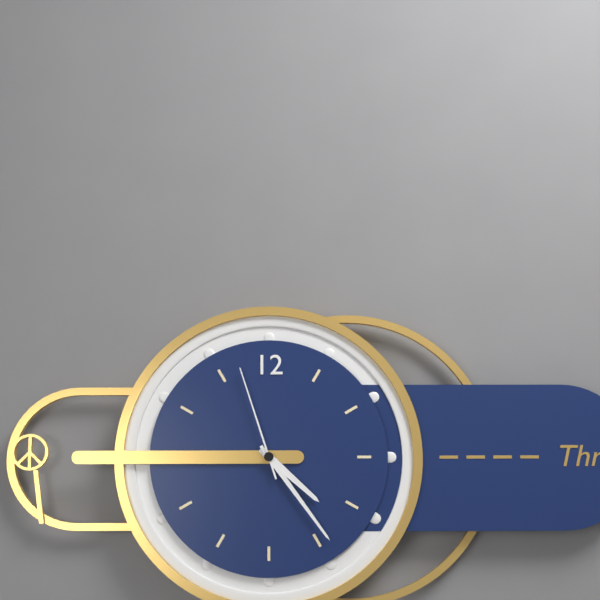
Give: 4h24m57s
